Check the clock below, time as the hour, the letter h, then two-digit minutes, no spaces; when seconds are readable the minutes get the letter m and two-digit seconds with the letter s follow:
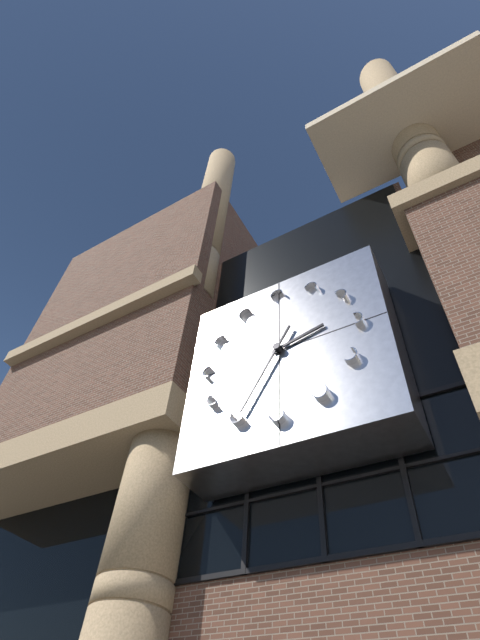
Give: 2h35
